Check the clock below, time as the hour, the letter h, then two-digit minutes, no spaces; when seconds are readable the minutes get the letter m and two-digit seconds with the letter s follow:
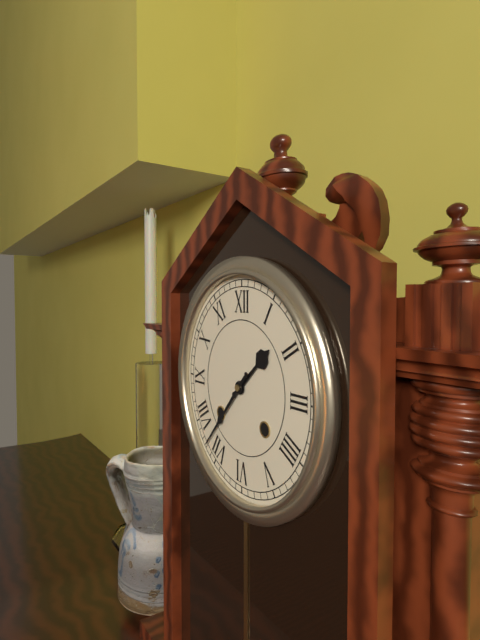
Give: 1h37
